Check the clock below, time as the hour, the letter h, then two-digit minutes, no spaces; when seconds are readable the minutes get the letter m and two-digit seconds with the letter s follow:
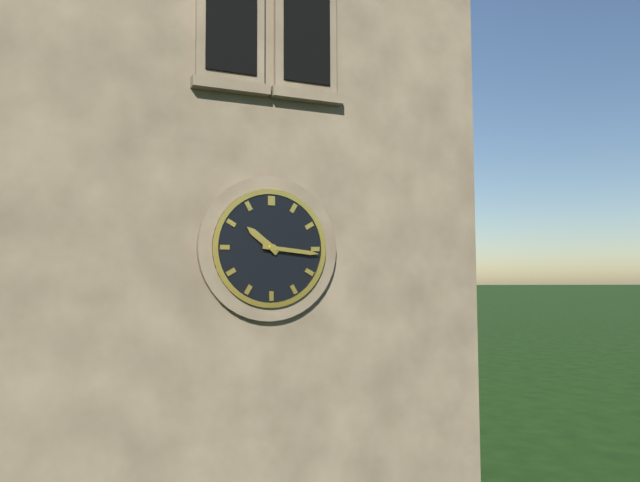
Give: 10h16
